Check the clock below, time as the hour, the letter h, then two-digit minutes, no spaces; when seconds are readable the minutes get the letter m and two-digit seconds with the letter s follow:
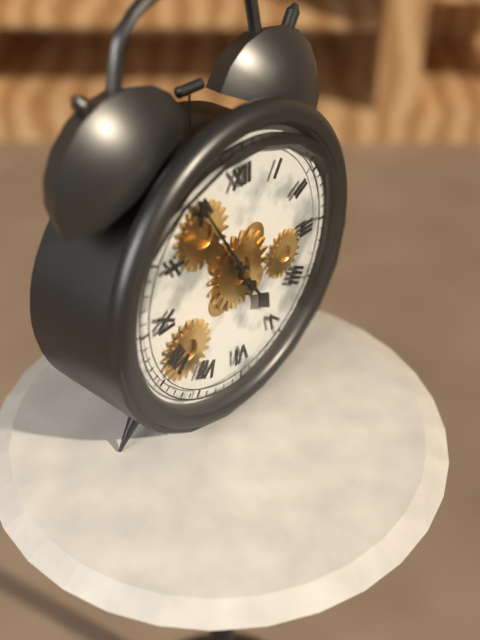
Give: 4h55
